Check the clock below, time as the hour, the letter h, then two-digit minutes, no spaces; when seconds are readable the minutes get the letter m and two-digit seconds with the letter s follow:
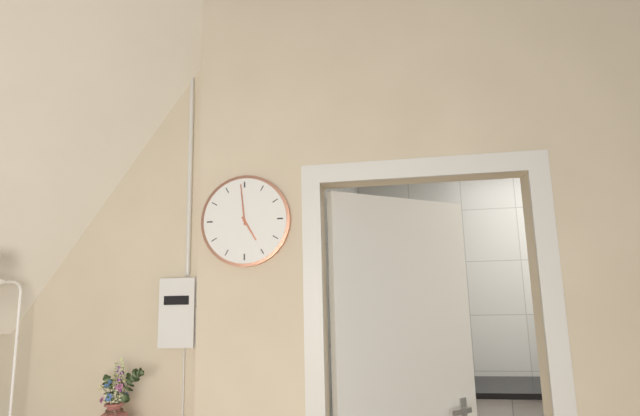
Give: 4h59
